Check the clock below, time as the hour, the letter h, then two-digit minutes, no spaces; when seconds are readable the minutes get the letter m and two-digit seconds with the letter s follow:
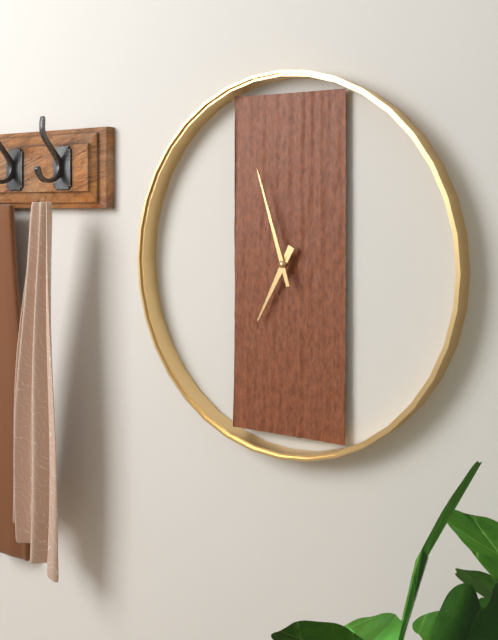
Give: 6h57
